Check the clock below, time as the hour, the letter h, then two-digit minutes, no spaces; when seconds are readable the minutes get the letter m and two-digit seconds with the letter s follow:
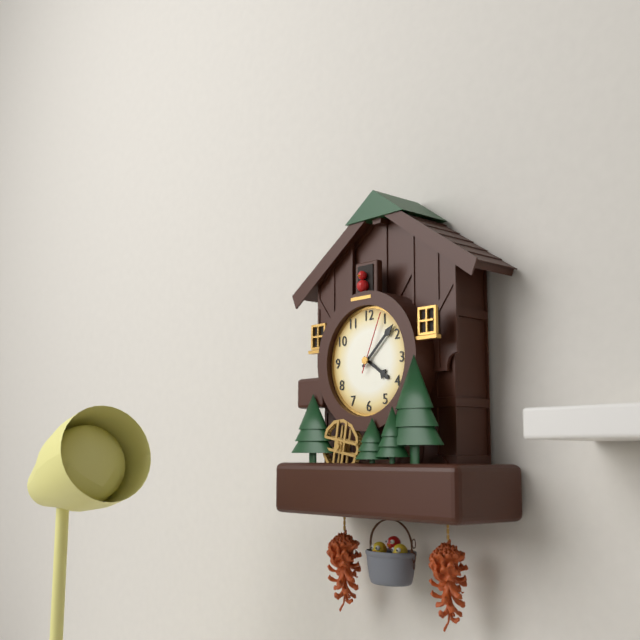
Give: 4h08m04s
